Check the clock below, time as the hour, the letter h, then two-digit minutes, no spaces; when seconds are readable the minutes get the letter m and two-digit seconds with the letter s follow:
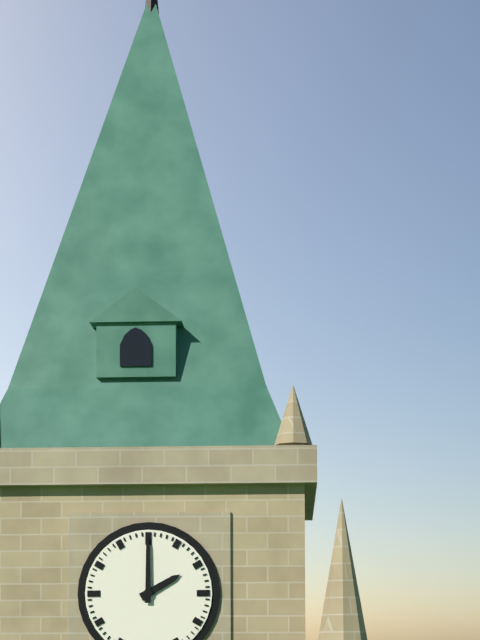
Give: 2h00
